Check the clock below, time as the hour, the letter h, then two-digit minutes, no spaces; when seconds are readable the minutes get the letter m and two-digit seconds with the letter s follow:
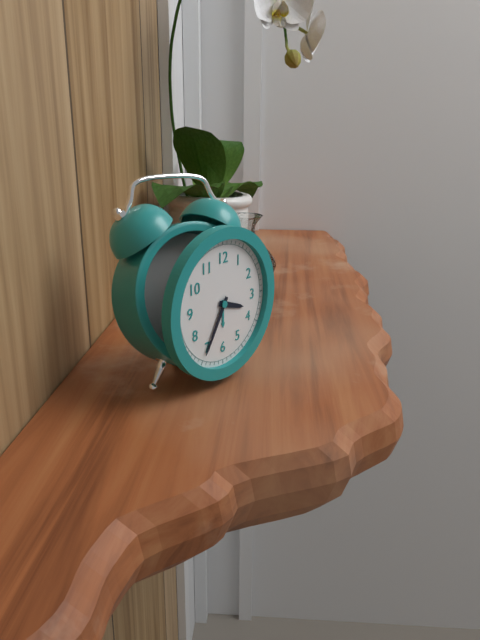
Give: 3h35
